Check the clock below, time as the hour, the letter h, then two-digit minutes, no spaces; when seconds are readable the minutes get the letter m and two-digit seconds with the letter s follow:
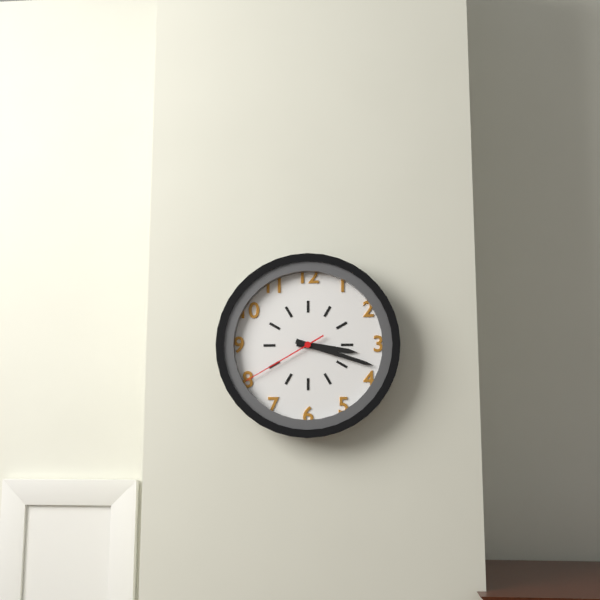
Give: 3h18m40s
